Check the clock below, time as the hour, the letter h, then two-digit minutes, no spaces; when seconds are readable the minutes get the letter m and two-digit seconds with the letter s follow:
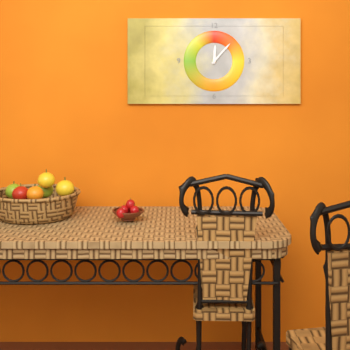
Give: 12h07
